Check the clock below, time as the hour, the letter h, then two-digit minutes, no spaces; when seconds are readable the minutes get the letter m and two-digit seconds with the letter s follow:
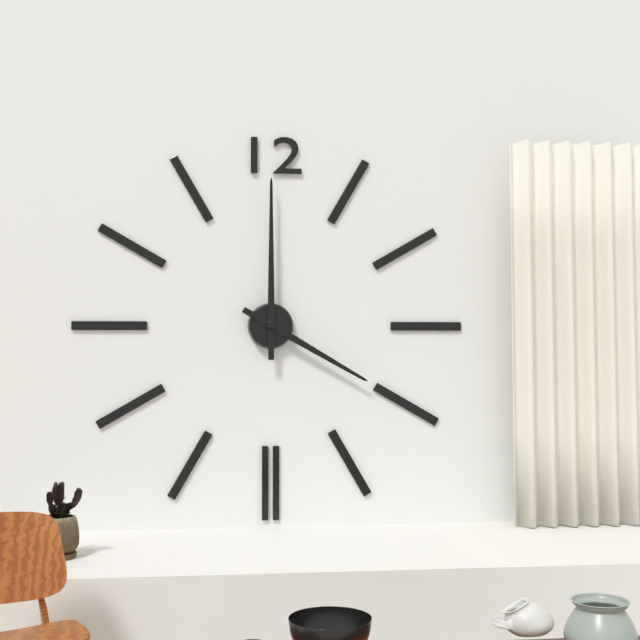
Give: 4h00
